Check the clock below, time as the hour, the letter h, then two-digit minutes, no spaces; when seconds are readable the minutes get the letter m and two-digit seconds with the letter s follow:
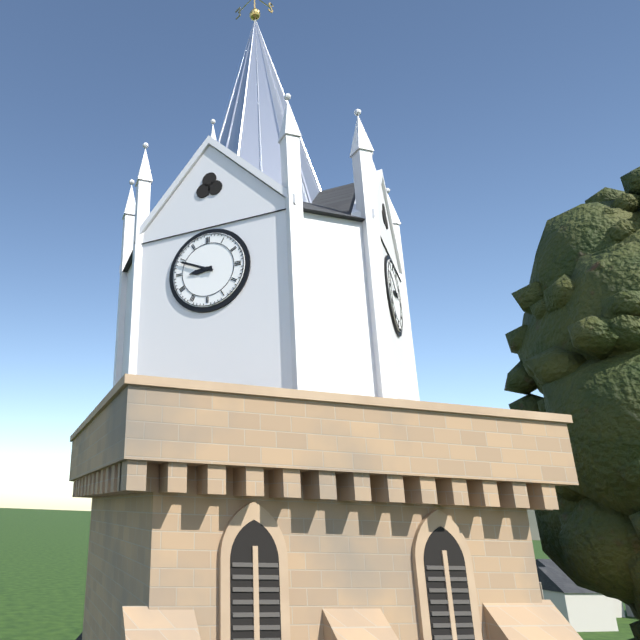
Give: 8h49
